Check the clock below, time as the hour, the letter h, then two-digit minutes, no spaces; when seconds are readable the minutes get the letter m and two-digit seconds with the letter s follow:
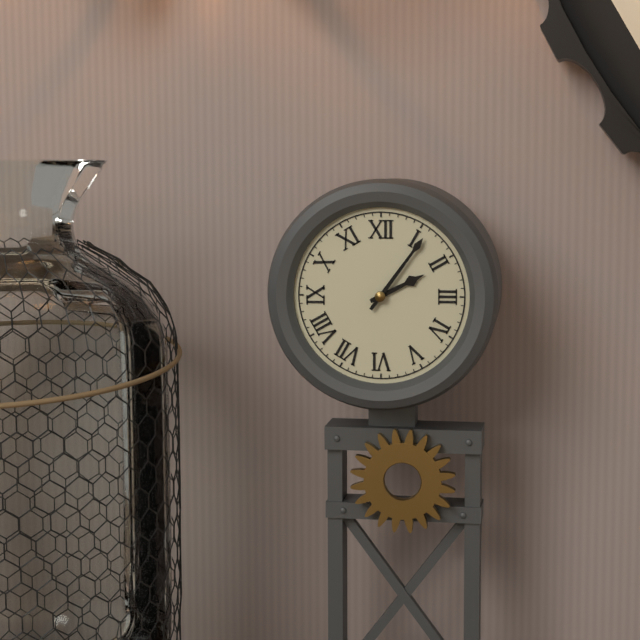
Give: 2h06
